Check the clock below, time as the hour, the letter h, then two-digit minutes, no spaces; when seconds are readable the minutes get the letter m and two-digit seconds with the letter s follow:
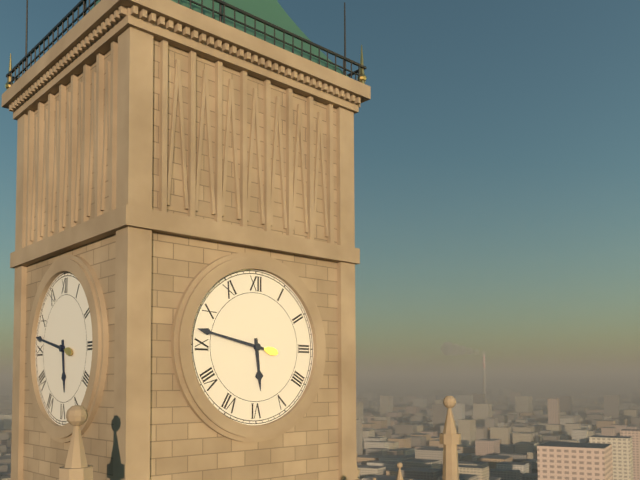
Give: 5h47
